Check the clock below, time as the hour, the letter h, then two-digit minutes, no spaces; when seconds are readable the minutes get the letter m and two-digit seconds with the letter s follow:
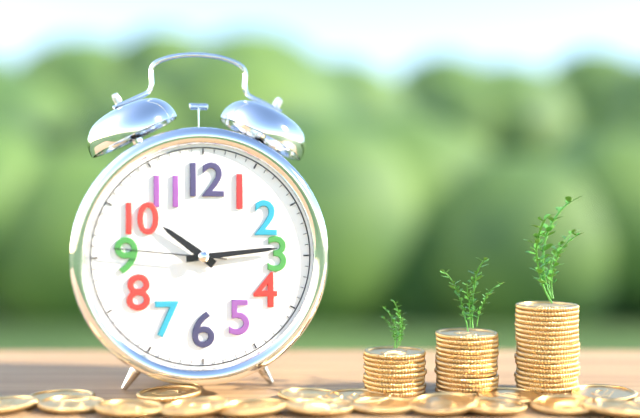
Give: 10h14m46s
